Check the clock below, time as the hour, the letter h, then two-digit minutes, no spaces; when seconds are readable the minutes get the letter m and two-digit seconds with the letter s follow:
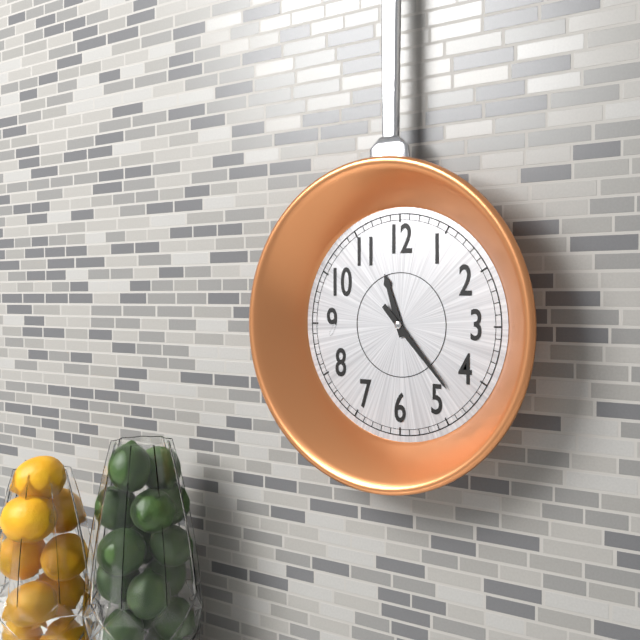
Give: 11h23
